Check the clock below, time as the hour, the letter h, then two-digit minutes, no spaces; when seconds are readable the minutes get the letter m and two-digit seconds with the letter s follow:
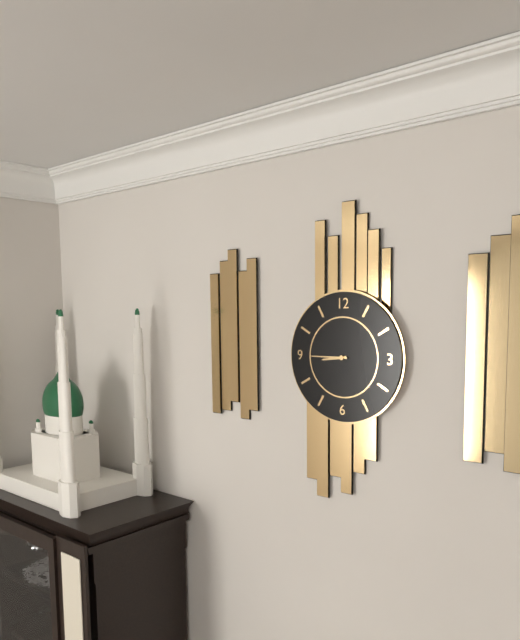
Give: 8h45
